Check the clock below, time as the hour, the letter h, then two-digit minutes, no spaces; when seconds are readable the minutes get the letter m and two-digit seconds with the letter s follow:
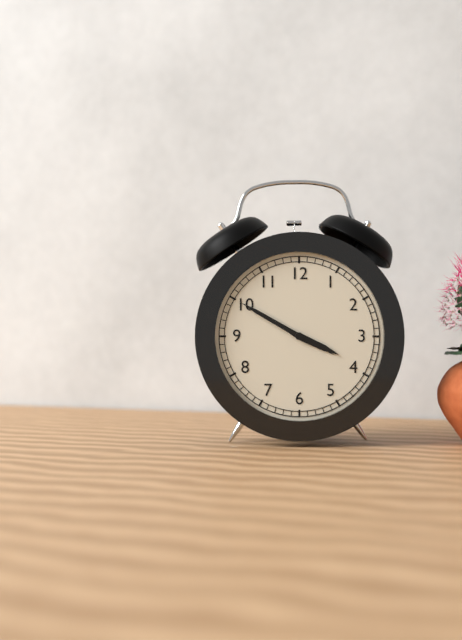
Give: 3h50
